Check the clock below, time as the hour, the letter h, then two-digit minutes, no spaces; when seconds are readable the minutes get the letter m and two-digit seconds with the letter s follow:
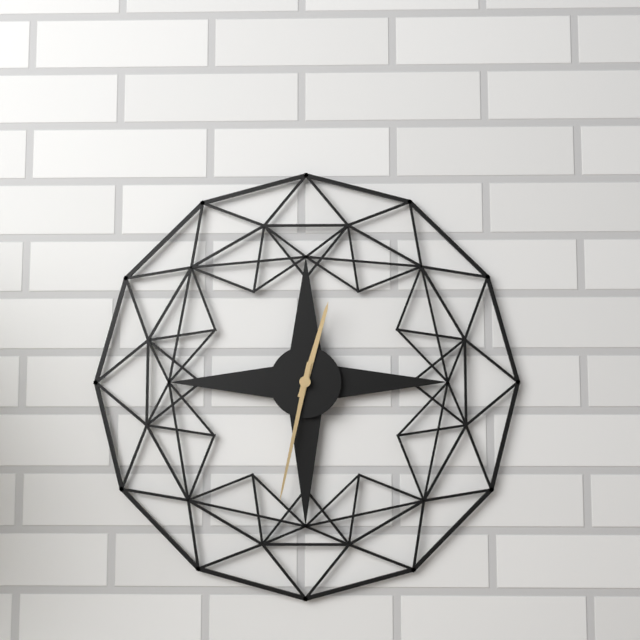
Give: 12h32
